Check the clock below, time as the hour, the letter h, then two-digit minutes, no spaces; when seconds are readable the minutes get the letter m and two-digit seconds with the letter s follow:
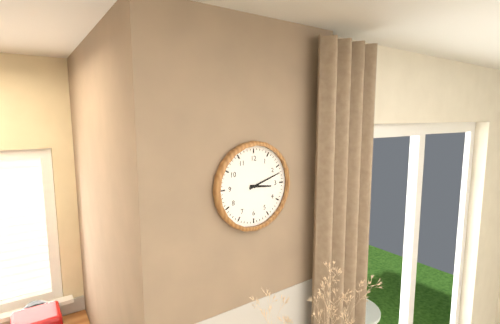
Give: 3h12
